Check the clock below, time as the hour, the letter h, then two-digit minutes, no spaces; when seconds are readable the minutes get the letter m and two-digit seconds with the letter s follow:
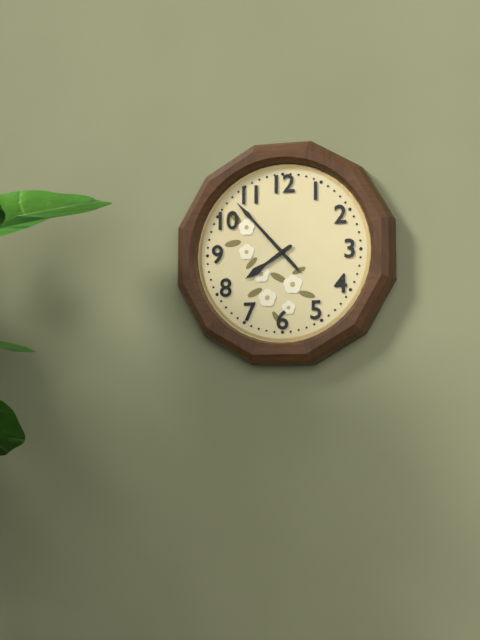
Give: 7h53
